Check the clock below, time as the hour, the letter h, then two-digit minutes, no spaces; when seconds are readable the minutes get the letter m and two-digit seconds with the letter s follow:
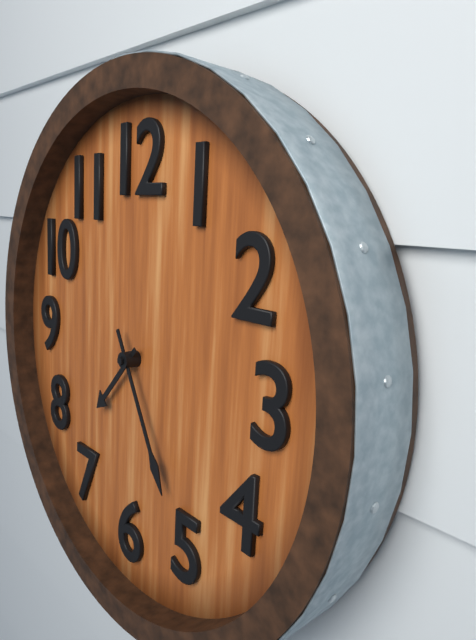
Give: 7h25
